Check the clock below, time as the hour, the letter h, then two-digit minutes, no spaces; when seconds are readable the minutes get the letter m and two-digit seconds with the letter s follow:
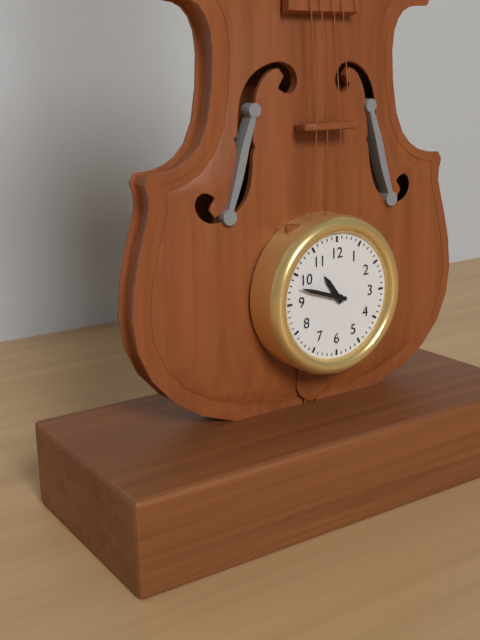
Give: 10h48
